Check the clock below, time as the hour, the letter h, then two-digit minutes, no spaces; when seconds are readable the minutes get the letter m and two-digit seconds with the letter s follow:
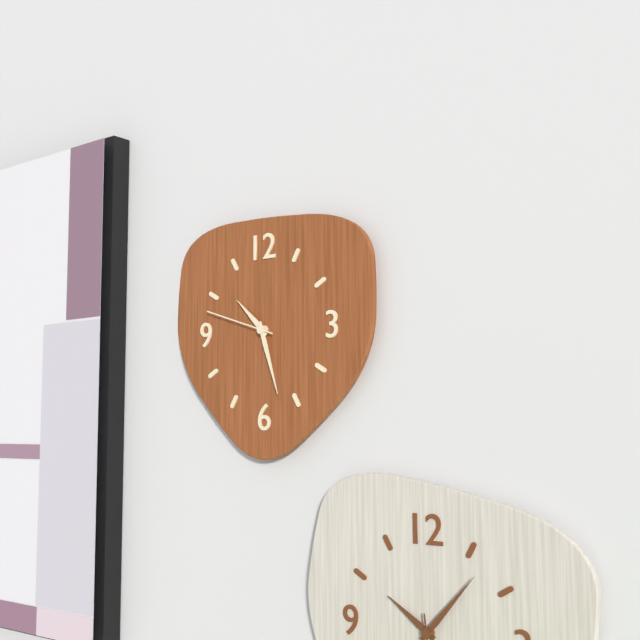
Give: 10h27m48s
